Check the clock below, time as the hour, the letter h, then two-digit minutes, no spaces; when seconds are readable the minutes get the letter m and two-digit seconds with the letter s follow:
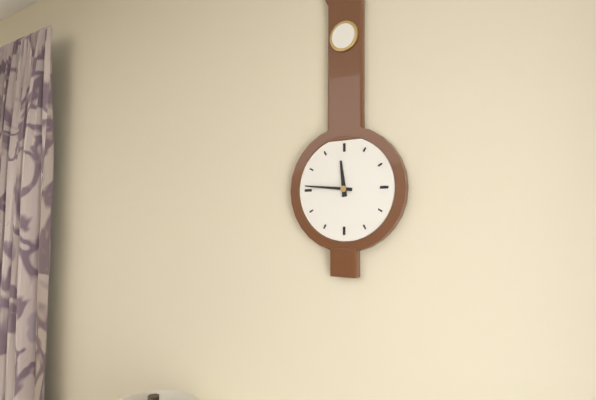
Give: 11h46
